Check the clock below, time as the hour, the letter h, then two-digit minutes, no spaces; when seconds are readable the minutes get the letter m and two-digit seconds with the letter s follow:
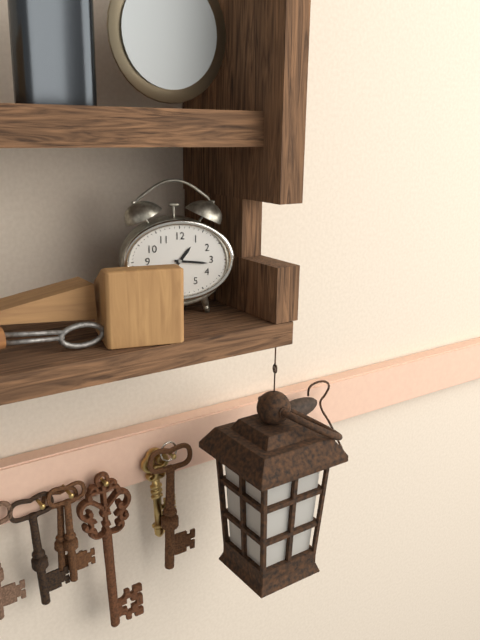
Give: 1h16
